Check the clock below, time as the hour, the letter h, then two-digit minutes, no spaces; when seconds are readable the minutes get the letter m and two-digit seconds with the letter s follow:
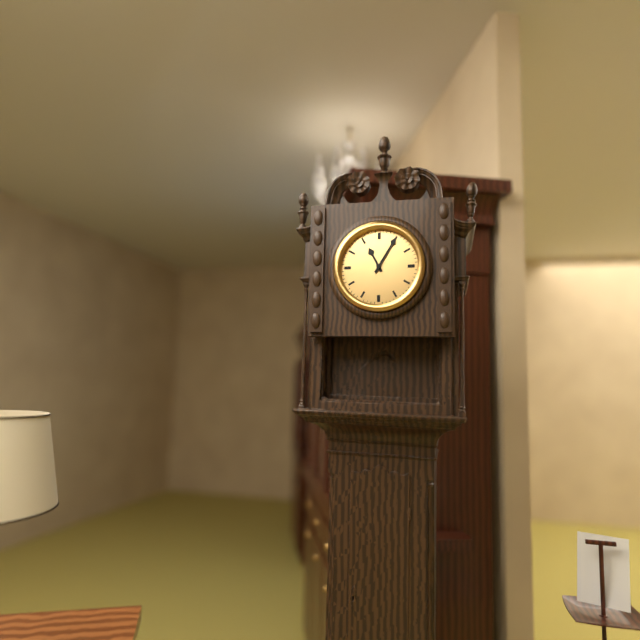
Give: 11h05
